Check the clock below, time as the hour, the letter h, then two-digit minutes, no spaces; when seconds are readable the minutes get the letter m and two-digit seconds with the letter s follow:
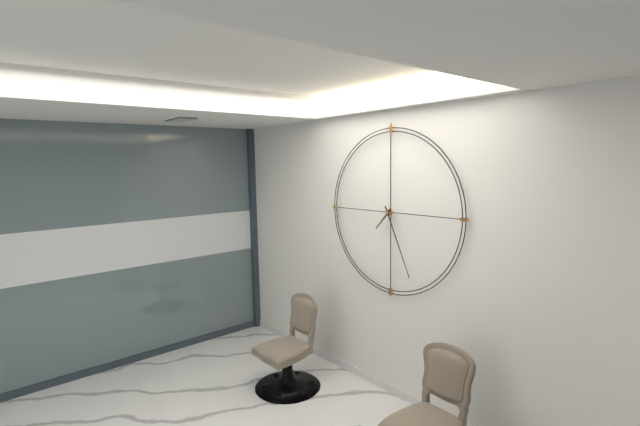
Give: 7h26
